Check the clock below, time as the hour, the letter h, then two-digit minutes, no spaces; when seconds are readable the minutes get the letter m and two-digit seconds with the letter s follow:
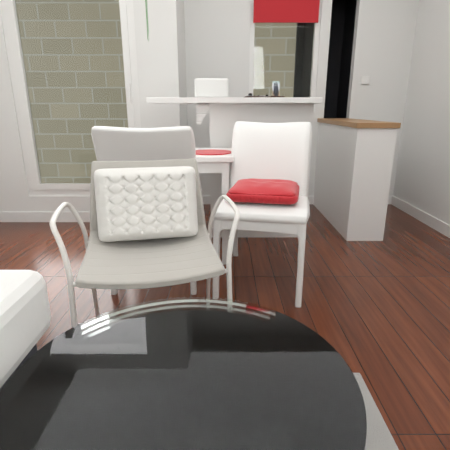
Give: 9h53
